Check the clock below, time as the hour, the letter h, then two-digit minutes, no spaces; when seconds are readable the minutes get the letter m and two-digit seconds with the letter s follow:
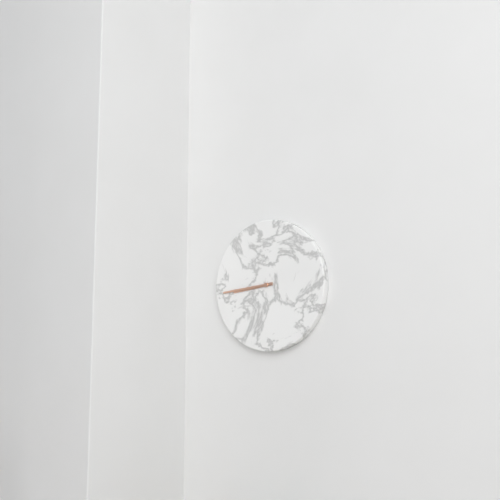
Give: 8h44
